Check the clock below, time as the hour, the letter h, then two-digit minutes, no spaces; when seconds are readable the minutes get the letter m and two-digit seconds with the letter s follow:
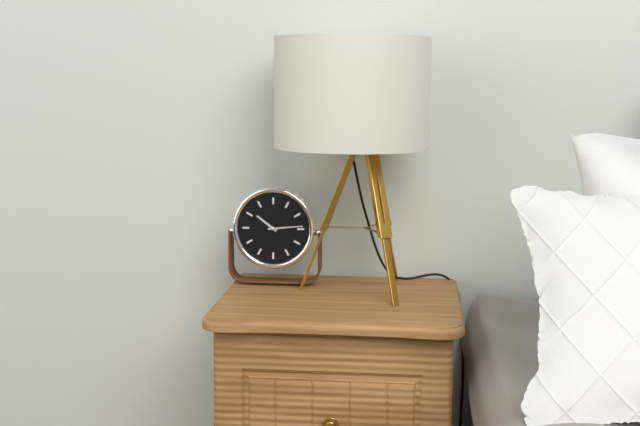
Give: 10h14
